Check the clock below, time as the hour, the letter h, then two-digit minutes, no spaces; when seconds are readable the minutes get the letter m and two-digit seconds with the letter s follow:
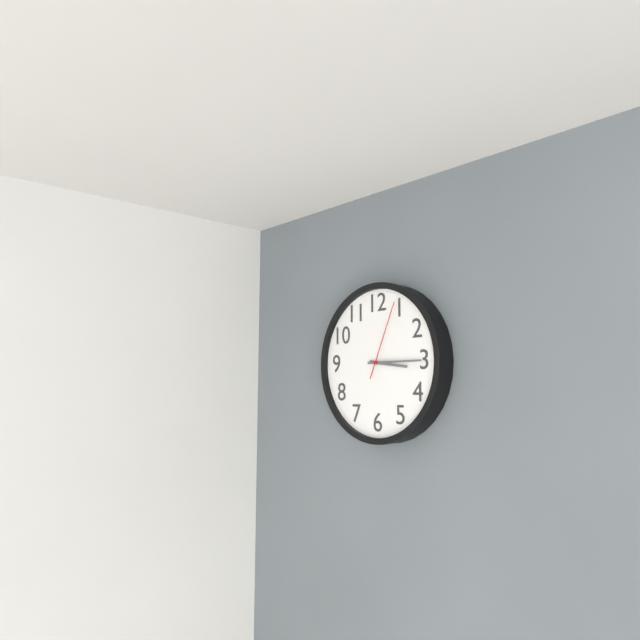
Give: 3h15m04s
